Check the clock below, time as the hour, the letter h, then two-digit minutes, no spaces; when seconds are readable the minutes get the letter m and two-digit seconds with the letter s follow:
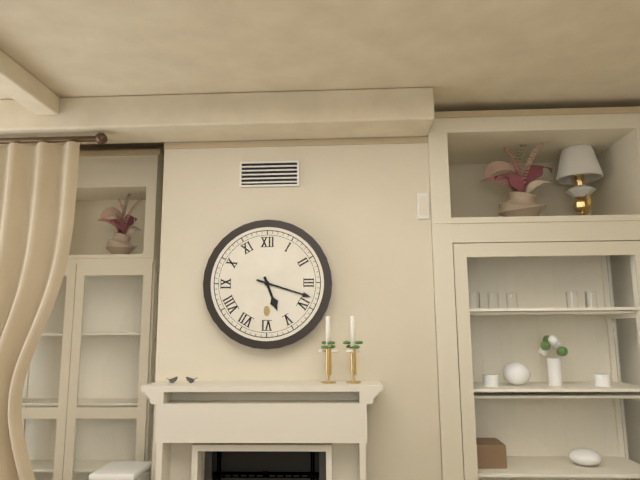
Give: 5h18
